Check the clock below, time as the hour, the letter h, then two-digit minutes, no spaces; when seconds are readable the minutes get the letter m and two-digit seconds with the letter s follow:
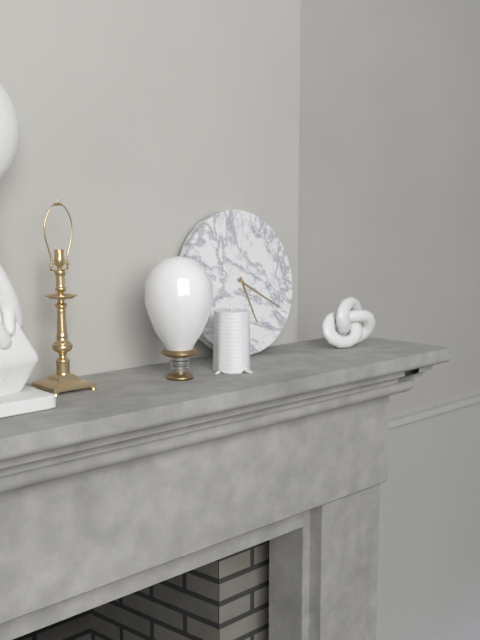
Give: 5h20
